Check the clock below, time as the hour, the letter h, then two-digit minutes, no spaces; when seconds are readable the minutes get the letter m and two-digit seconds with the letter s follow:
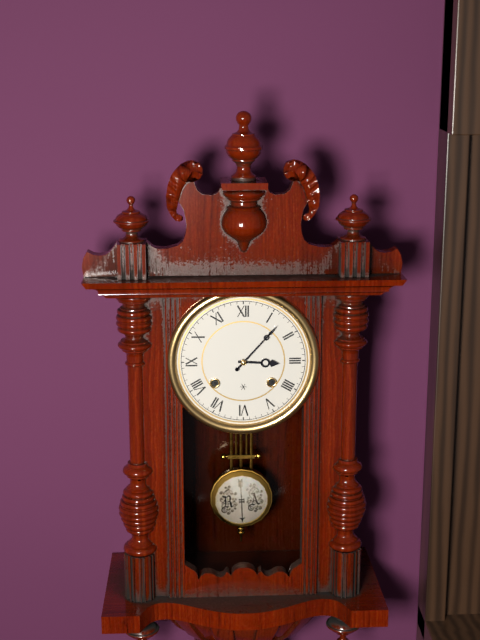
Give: 3h07
